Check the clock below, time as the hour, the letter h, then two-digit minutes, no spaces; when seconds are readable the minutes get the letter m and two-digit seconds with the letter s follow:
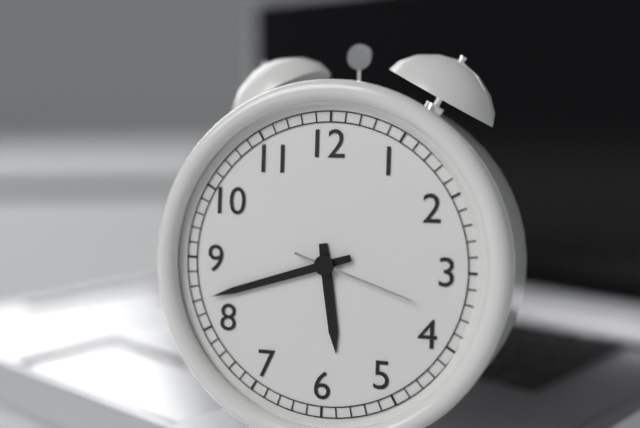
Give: 5h42m18s
